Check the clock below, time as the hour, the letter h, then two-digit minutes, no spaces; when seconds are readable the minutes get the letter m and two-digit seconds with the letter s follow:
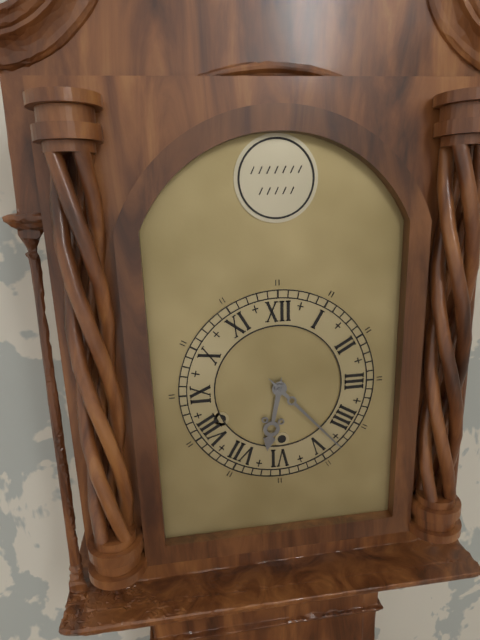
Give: 6h23
